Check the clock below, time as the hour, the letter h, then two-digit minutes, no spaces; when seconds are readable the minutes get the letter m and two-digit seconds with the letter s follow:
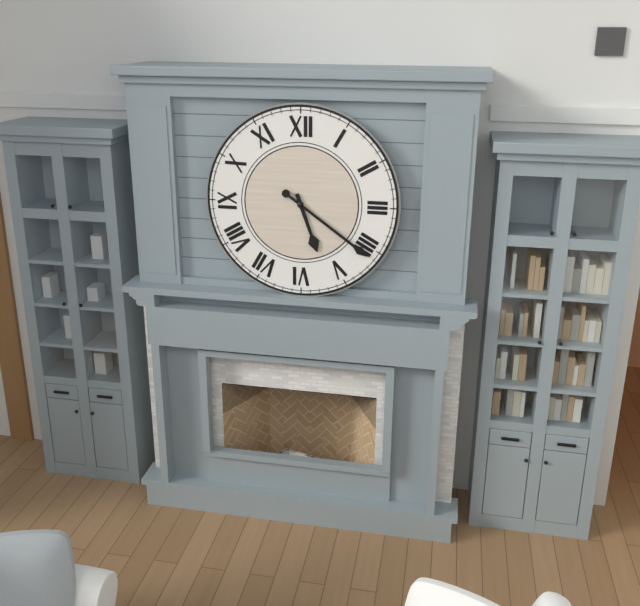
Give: 5h21
